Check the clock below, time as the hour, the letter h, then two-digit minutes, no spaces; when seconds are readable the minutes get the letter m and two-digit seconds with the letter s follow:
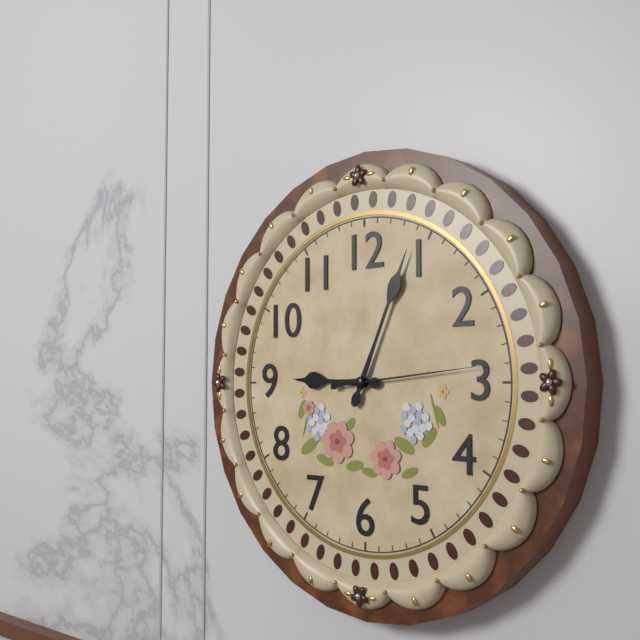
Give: 9h04m14s
